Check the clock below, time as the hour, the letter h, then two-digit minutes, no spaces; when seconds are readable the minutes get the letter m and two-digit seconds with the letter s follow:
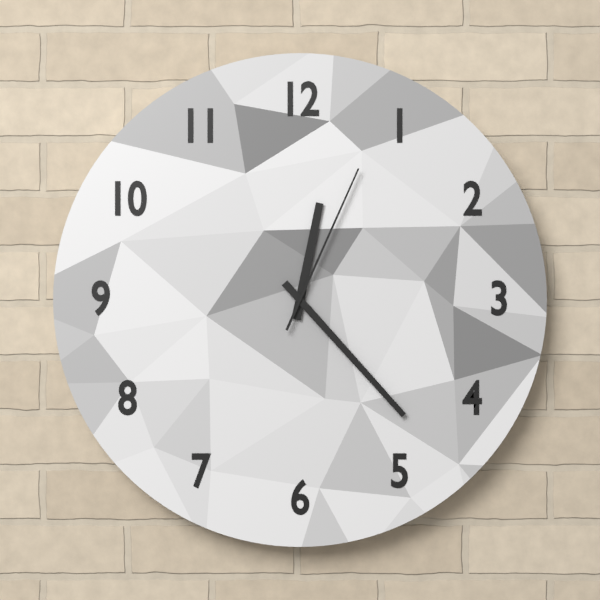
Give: 12h23m04s
